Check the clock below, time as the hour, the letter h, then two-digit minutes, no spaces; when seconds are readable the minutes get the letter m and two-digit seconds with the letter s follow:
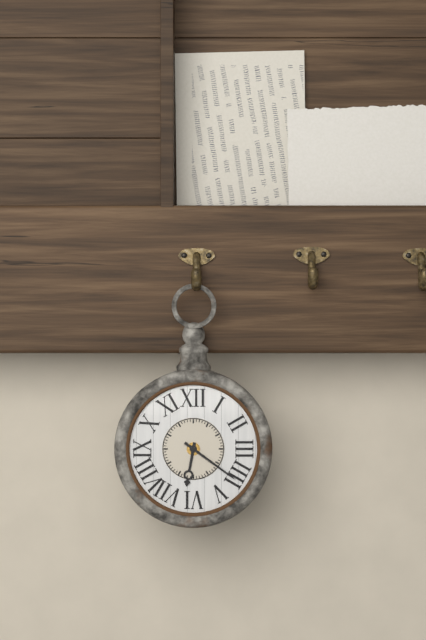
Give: 6h21
